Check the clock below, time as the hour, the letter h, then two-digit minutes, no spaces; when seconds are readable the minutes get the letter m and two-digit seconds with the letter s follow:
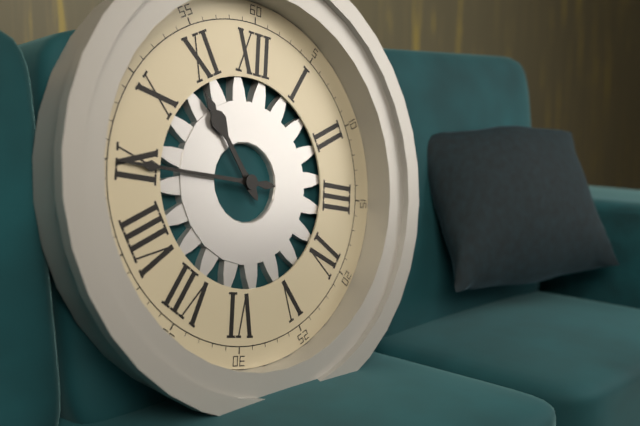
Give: 10h45
